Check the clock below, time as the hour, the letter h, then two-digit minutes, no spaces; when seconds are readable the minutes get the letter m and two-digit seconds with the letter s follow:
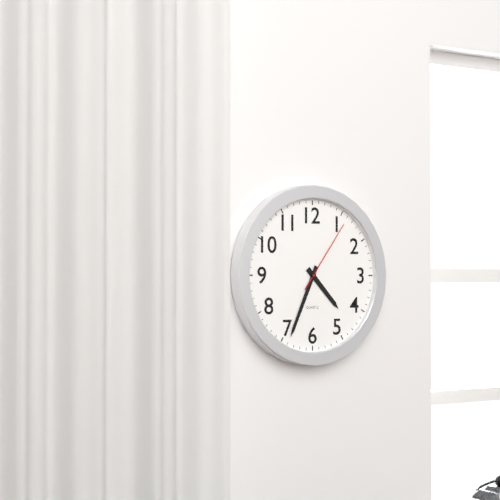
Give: 4h34m06s
